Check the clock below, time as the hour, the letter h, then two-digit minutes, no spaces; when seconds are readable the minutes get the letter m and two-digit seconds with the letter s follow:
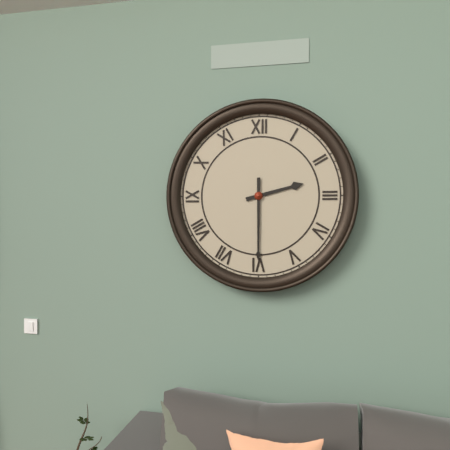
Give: 2h30
